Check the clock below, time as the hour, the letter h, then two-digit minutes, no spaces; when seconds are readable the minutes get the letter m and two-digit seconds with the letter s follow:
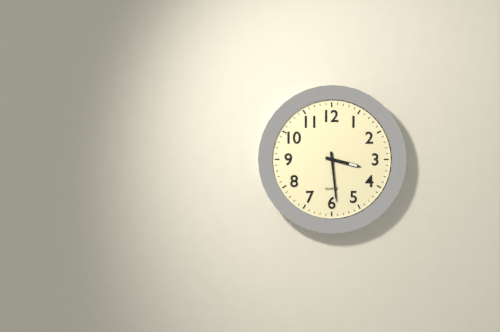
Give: 3h29
